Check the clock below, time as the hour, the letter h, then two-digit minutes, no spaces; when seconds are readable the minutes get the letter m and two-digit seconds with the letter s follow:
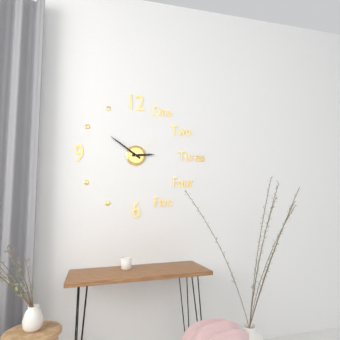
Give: 2h51
